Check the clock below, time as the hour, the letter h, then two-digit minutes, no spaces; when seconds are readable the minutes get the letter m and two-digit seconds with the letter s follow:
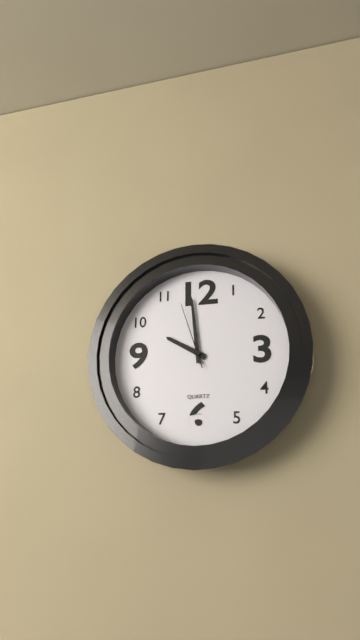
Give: 9h59m57s
